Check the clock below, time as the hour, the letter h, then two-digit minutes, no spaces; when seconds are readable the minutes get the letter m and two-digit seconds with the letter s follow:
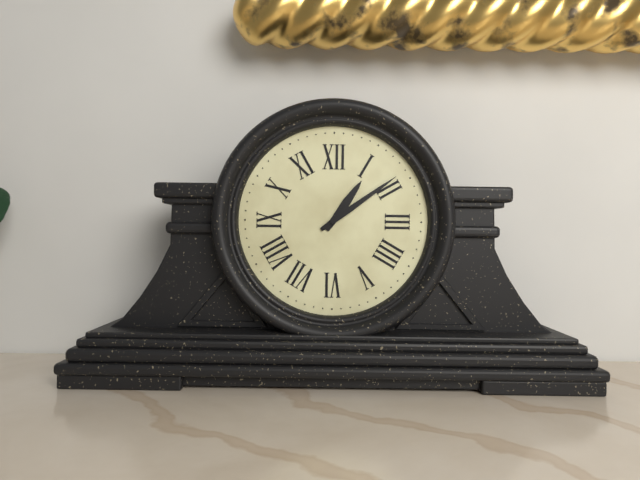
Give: 1h09
